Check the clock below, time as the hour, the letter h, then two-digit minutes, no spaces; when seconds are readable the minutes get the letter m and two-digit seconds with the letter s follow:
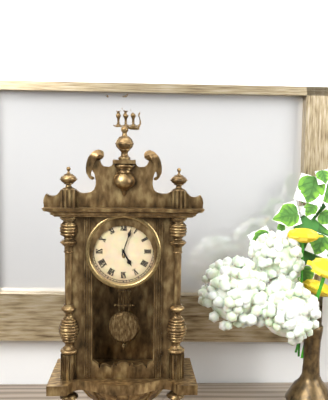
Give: 5h03
